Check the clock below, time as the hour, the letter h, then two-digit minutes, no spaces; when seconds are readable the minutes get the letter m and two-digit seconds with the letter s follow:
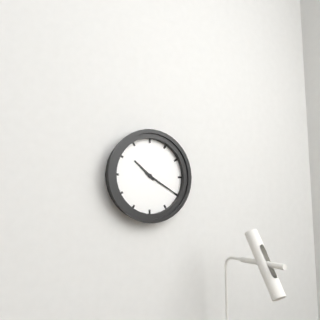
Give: 10h20
